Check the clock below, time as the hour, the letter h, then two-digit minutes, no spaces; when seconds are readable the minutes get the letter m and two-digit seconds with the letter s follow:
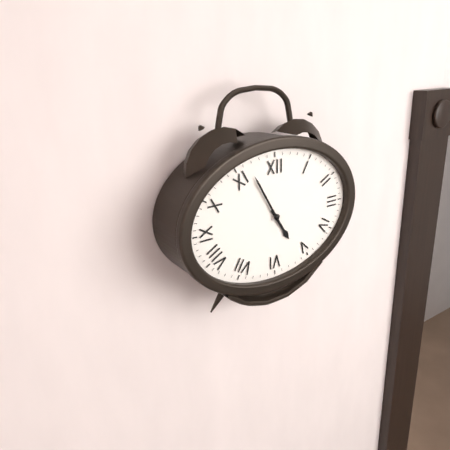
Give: 4h55
